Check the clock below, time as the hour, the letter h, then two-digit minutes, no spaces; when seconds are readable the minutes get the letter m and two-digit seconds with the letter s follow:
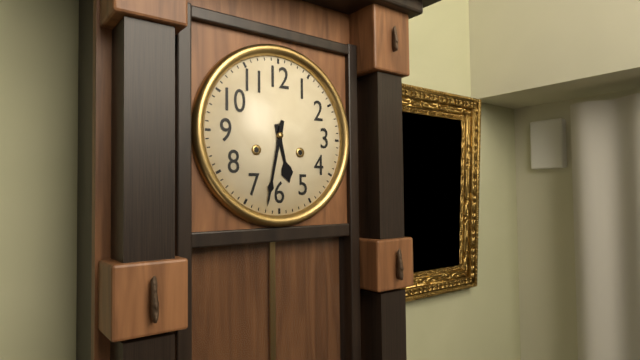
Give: 5h32
